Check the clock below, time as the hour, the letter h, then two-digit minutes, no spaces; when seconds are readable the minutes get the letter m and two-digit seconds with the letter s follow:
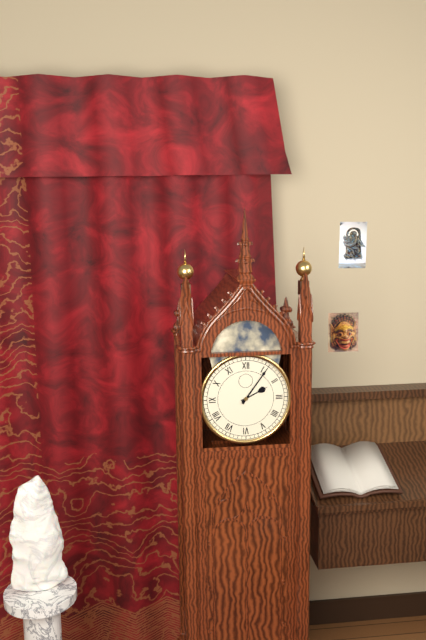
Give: 2h06
